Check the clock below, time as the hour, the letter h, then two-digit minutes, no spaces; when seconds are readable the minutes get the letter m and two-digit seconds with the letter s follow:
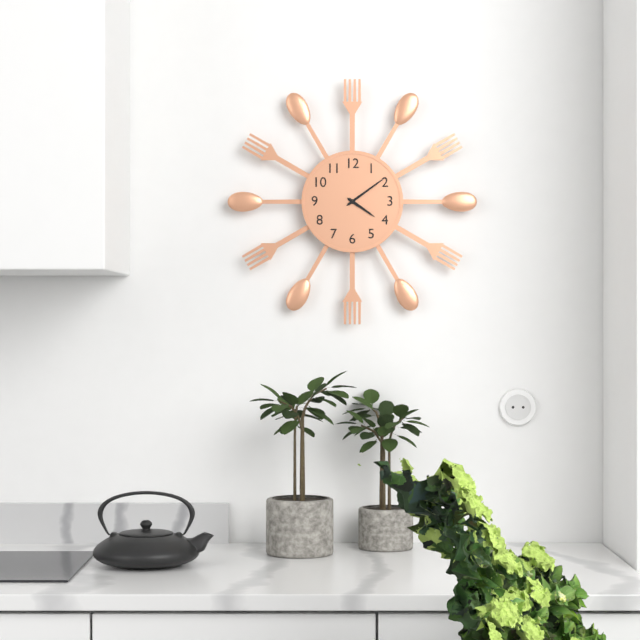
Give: 4h09
